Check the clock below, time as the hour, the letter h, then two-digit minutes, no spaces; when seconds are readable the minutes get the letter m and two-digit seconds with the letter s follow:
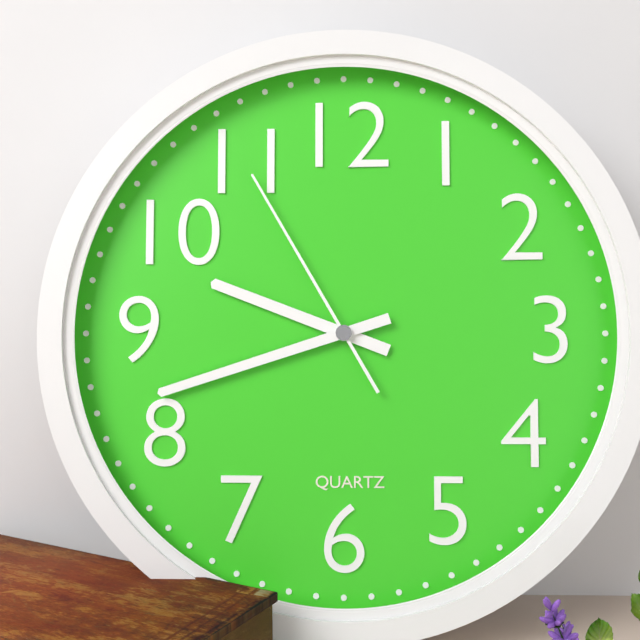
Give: 9h42m55s
